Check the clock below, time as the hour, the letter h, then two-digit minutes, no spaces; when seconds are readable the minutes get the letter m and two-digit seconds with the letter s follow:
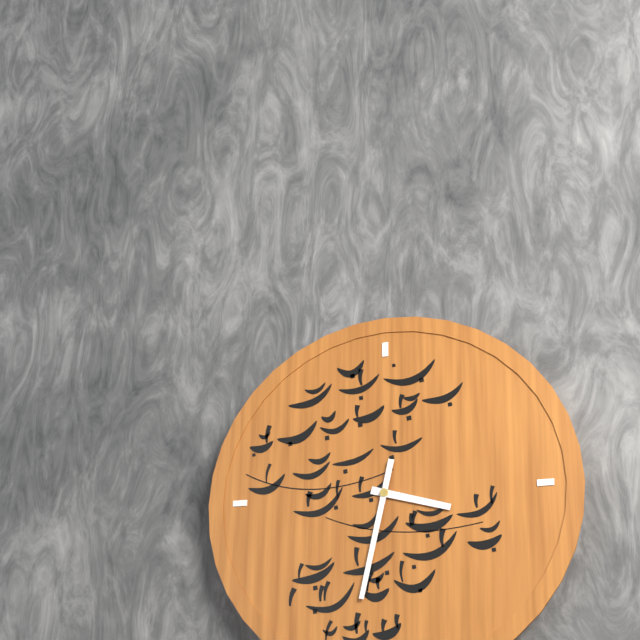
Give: 3h32
